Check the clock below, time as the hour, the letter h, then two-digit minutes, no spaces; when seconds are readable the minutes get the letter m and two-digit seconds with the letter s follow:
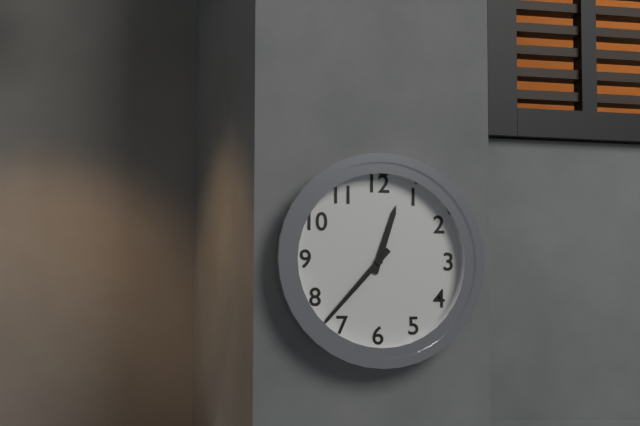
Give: 12h37
